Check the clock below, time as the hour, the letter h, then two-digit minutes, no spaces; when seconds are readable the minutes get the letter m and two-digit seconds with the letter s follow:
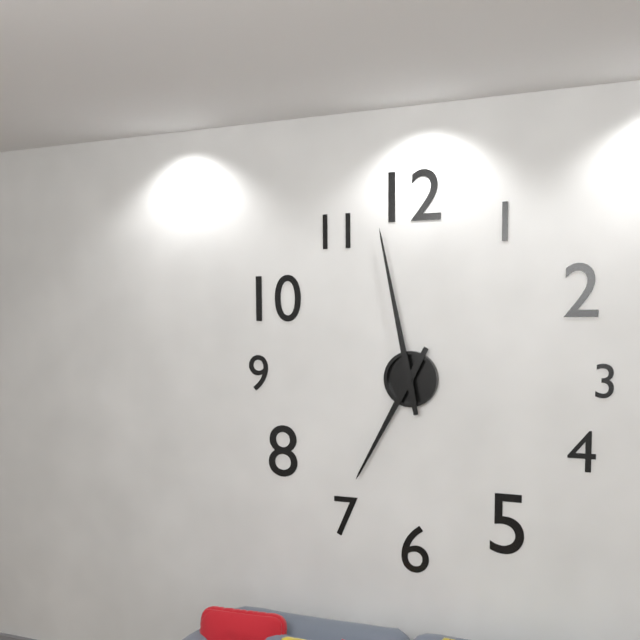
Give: 6h58
